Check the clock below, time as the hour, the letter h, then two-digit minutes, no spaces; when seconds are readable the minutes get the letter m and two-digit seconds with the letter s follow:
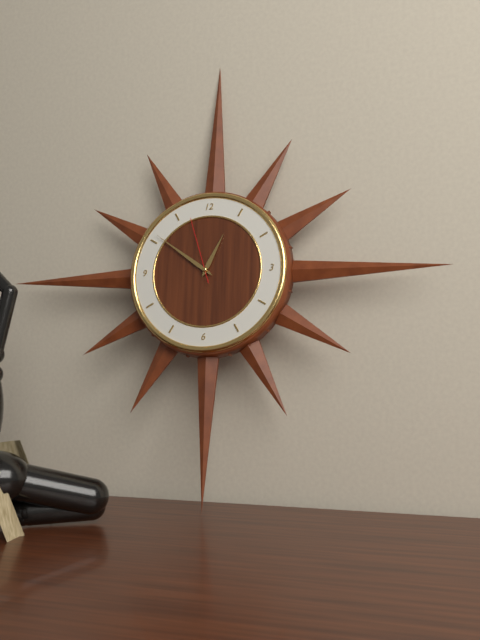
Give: 12h51m57s
